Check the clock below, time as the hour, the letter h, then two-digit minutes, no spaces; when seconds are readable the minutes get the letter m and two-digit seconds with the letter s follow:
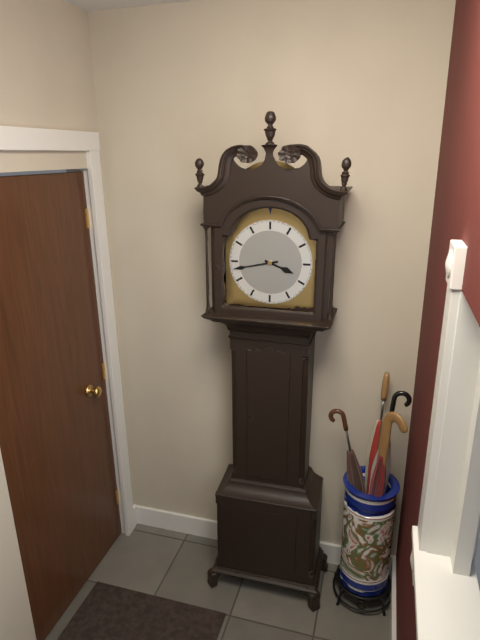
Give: 3h43
